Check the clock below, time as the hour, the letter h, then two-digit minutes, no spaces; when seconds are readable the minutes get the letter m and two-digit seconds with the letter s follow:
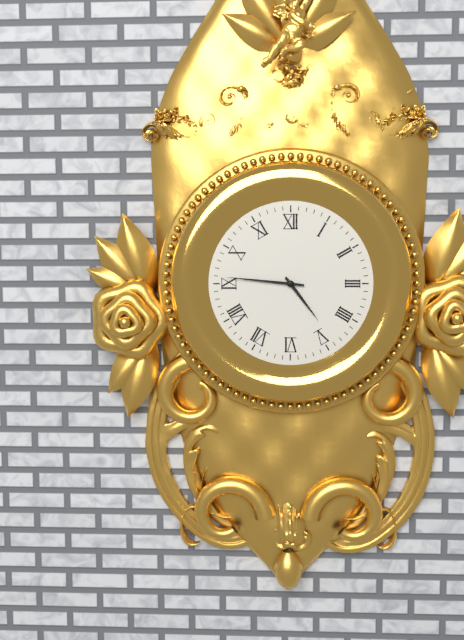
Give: 4h46
